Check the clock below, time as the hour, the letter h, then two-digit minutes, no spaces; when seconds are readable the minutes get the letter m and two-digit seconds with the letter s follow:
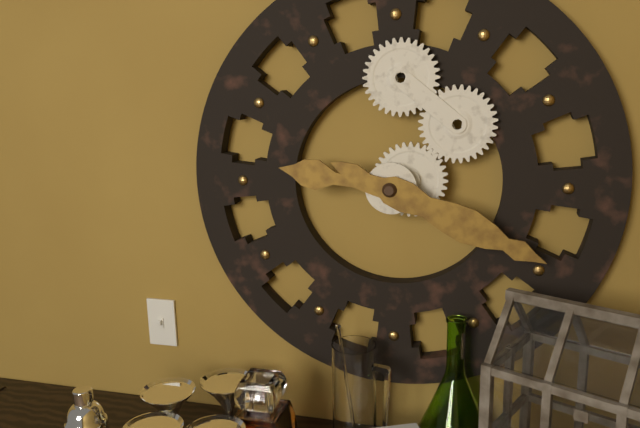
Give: 9h19
